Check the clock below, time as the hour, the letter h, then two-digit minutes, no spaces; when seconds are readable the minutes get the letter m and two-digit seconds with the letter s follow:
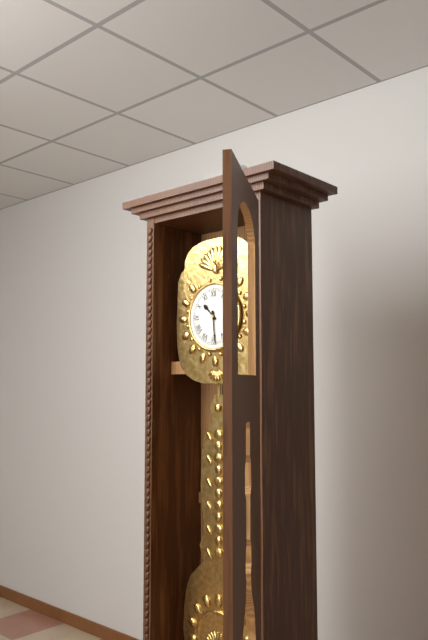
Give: 10h29
